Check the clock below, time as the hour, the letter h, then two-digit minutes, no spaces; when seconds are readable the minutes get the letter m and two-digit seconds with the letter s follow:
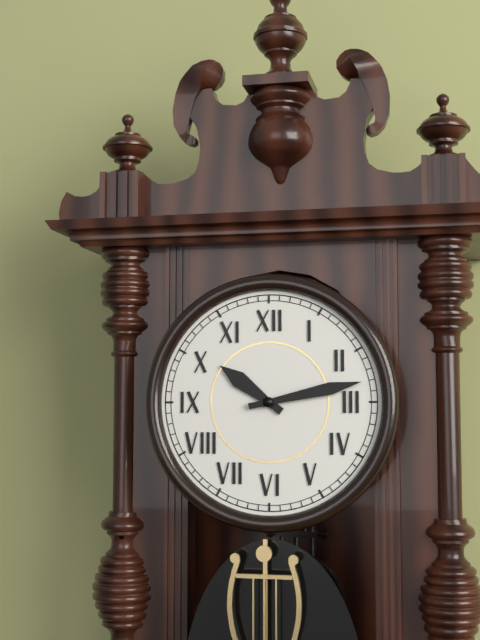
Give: 10h13
